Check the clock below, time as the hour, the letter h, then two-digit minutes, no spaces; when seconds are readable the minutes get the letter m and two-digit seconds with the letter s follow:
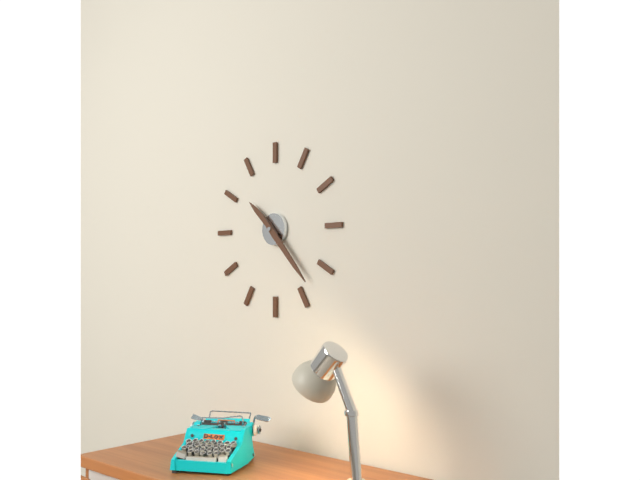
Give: 10h23
